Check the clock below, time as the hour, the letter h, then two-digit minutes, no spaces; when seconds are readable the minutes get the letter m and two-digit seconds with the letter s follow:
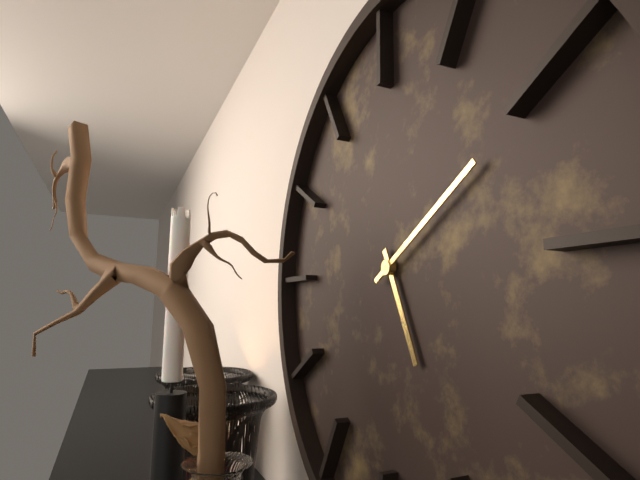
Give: 5h10
